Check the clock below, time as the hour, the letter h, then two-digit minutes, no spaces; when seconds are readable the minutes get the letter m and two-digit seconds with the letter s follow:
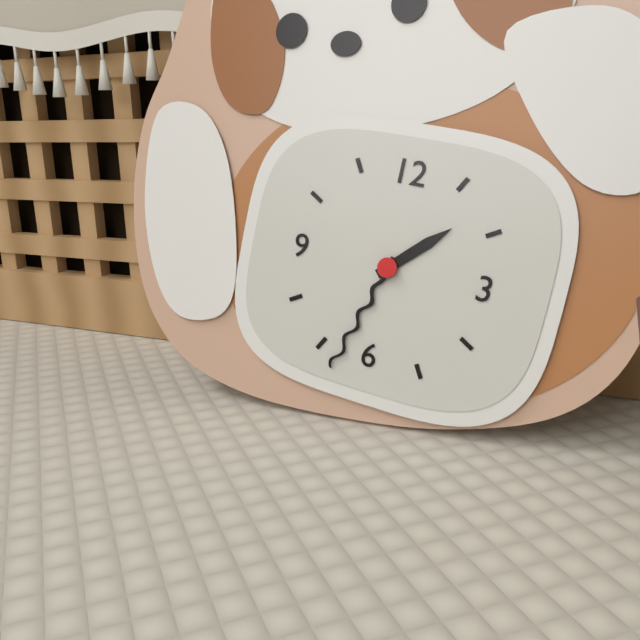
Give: 1h33
